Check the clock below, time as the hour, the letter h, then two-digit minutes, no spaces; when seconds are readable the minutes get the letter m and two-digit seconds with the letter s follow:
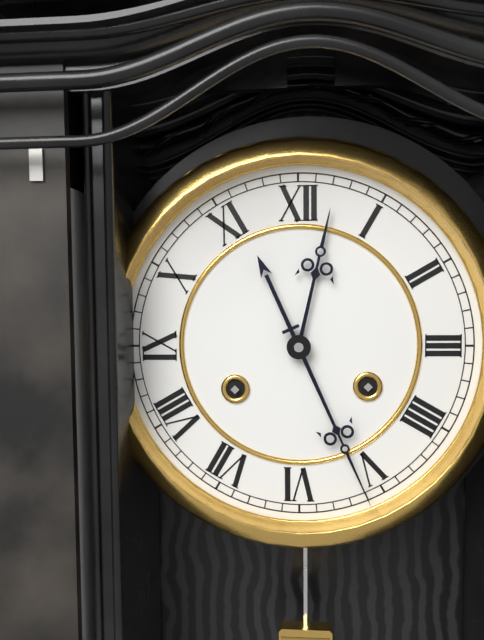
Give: 12h26
